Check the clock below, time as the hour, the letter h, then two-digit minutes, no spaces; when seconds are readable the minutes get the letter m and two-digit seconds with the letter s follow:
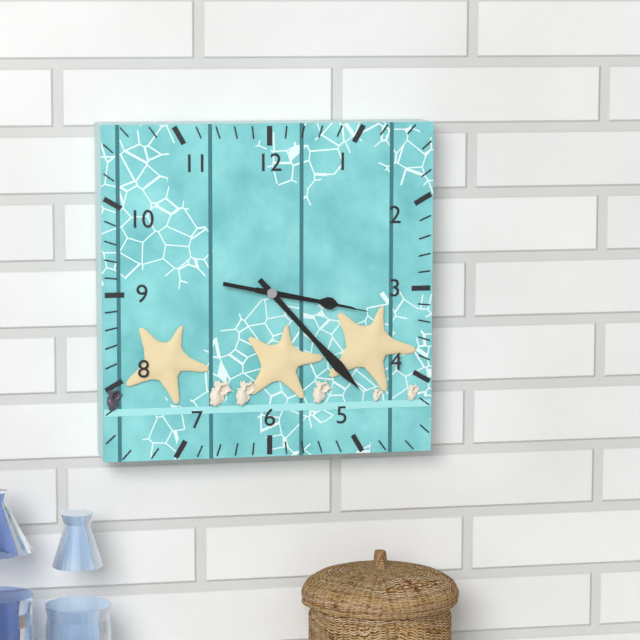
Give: 3h23m17s
